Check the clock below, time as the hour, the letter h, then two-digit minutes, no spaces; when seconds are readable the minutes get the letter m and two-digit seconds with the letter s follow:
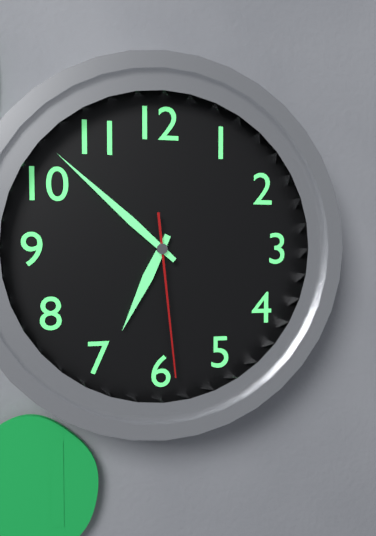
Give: 6h52m29s
